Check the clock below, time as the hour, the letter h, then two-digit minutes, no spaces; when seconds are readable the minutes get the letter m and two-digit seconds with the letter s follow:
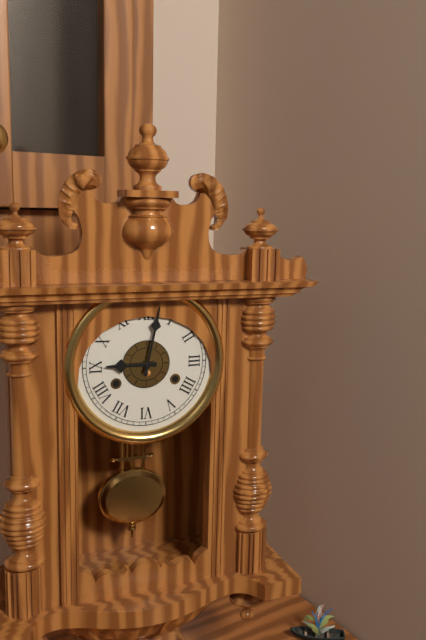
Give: 9h02
